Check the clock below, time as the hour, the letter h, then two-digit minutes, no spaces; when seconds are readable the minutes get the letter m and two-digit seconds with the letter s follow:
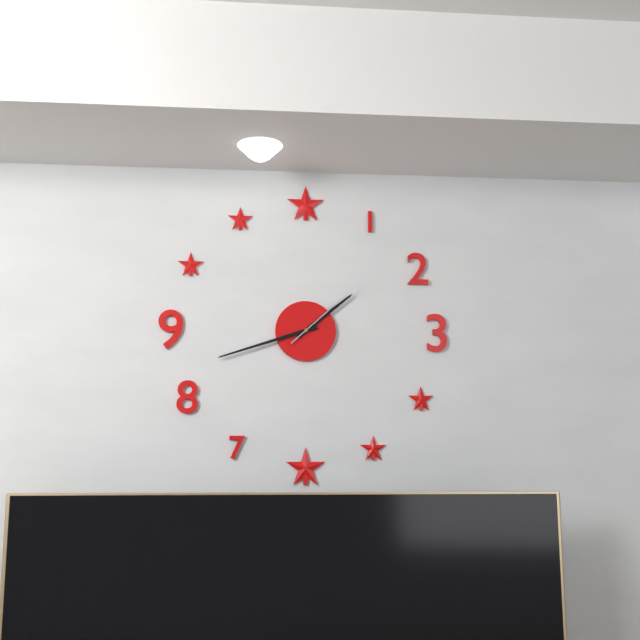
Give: 1h42m08s
